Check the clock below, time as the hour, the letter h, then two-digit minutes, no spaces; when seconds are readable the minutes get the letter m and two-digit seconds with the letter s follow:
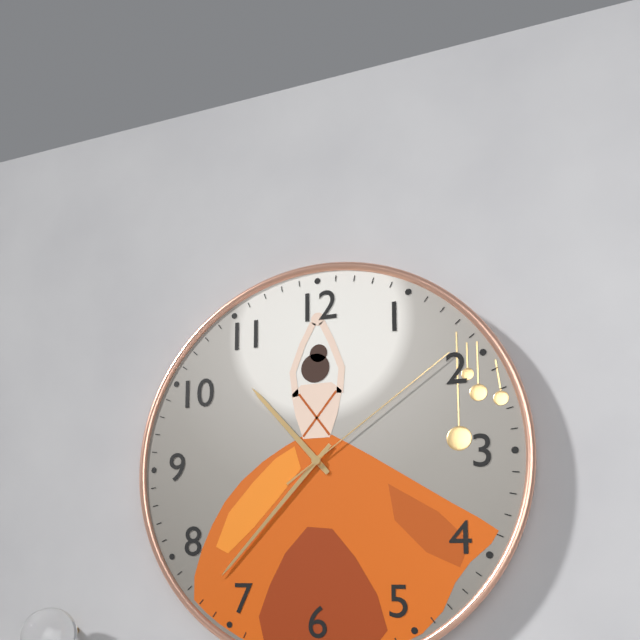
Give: 10h37m09s
